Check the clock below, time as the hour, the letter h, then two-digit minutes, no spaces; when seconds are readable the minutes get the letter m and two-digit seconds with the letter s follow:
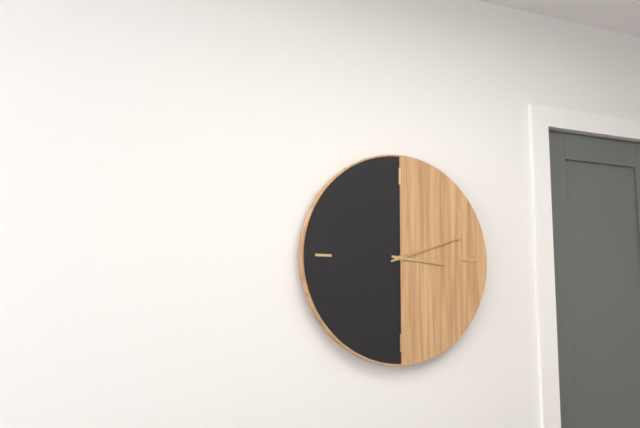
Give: 3h12
